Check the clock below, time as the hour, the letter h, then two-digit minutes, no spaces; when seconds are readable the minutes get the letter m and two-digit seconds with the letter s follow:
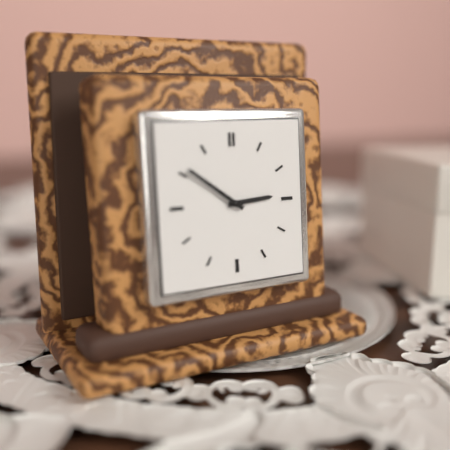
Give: 2h51
